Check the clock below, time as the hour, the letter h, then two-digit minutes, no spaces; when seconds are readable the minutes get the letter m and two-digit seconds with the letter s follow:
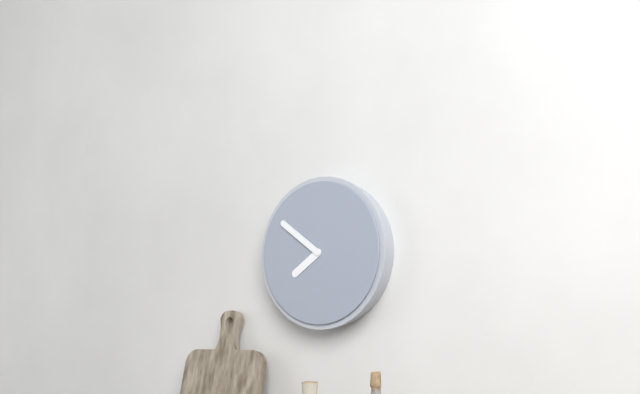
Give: 7h51
